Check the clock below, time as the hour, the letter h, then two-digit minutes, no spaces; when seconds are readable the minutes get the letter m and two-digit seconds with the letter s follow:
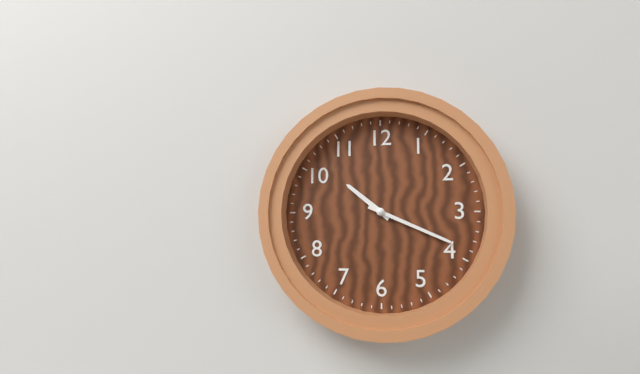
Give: 10h19
